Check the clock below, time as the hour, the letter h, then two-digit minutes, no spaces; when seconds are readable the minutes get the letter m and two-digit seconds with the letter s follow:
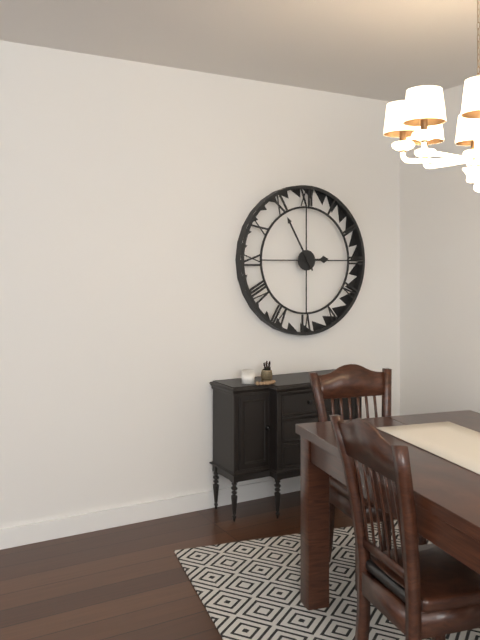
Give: 2h55
